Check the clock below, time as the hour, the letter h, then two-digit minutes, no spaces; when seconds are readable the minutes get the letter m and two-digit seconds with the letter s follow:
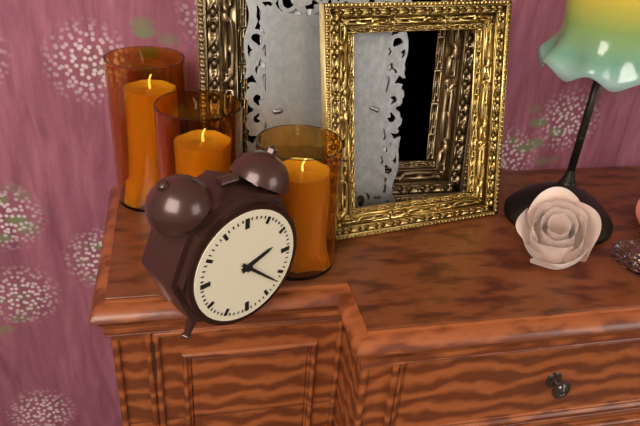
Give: 2h22
